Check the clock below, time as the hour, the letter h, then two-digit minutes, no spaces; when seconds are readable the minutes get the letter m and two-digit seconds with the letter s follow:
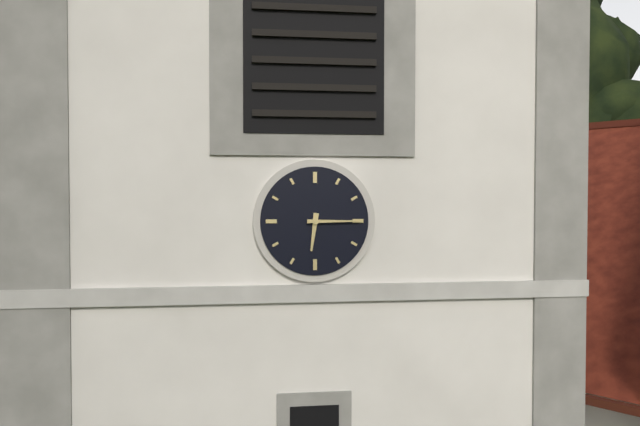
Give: 6h15
